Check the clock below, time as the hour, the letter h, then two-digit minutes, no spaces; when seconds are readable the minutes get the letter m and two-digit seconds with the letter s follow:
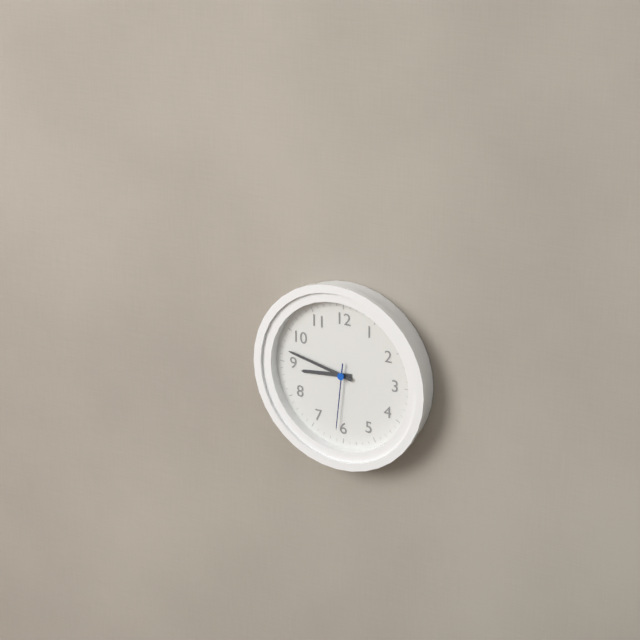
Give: 8h47m31s
